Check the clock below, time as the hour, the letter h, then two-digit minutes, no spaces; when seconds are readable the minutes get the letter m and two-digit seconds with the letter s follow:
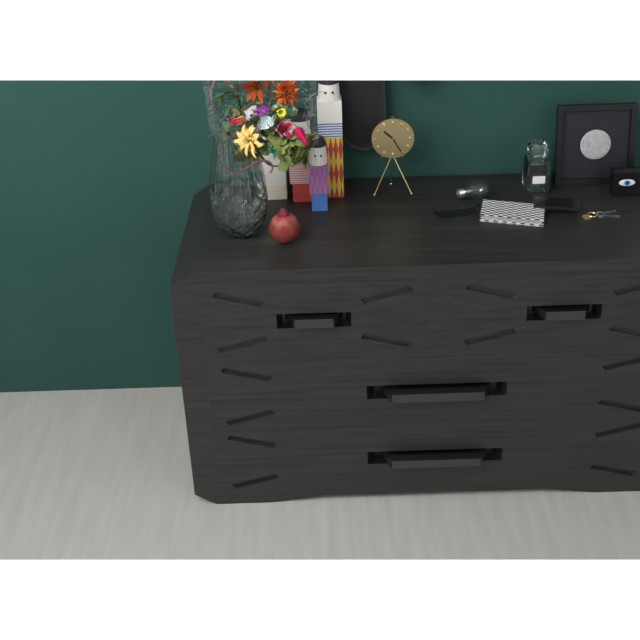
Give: 10h25
